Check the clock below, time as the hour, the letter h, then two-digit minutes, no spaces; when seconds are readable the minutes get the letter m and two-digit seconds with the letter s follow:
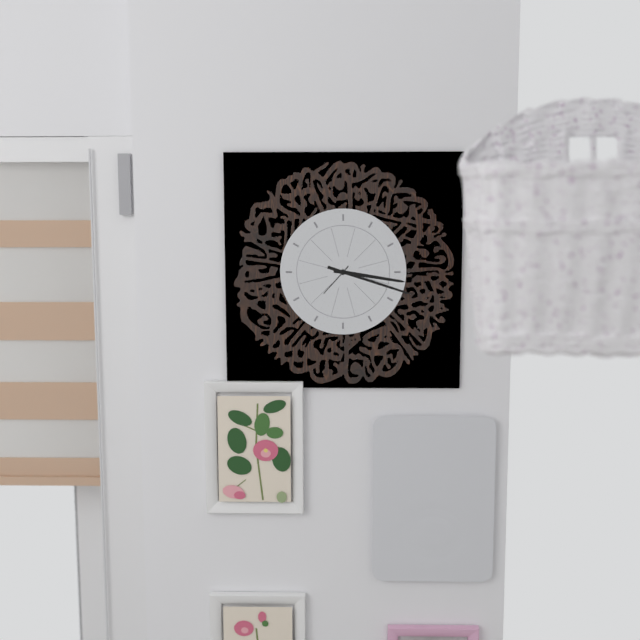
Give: 3h18
